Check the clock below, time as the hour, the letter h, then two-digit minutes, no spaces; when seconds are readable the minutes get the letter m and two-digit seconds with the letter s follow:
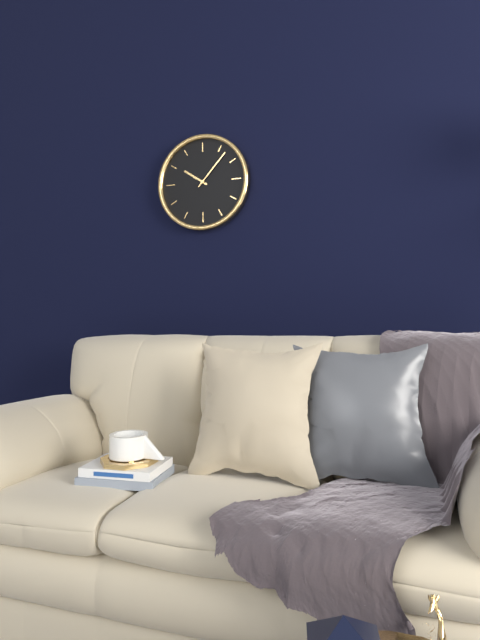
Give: 10h07
